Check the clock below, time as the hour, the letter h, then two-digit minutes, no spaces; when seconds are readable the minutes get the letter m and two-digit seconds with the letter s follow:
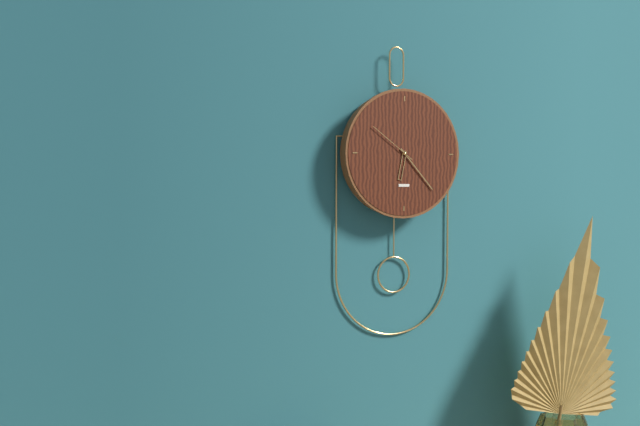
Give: 6h23m51s
